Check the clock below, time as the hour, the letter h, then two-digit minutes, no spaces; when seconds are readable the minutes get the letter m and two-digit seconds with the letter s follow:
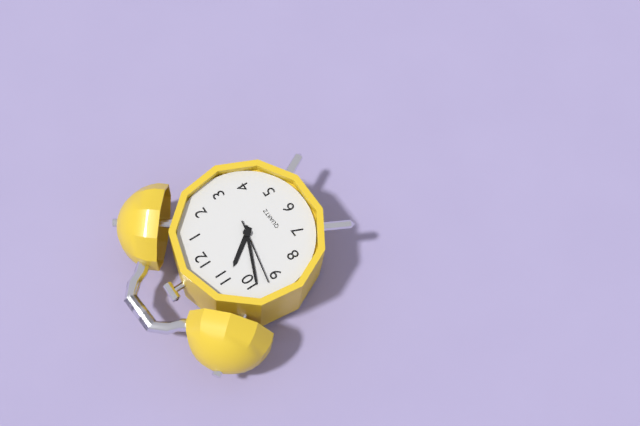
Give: 10h49m47s
